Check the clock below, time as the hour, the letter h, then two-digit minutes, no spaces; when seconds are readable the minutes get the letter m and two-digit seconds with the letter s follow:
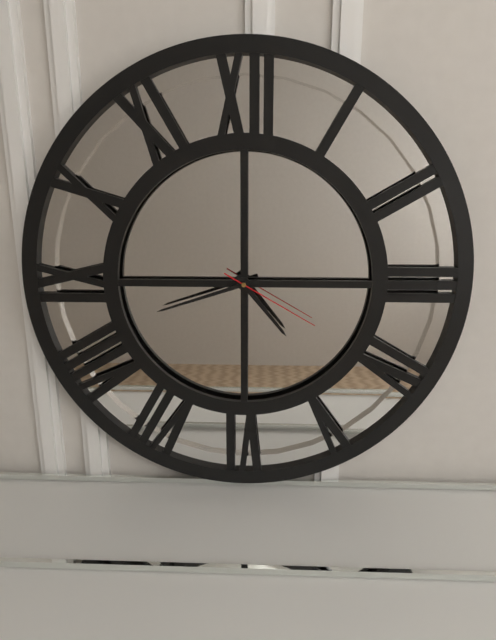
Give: 4h42m20s
